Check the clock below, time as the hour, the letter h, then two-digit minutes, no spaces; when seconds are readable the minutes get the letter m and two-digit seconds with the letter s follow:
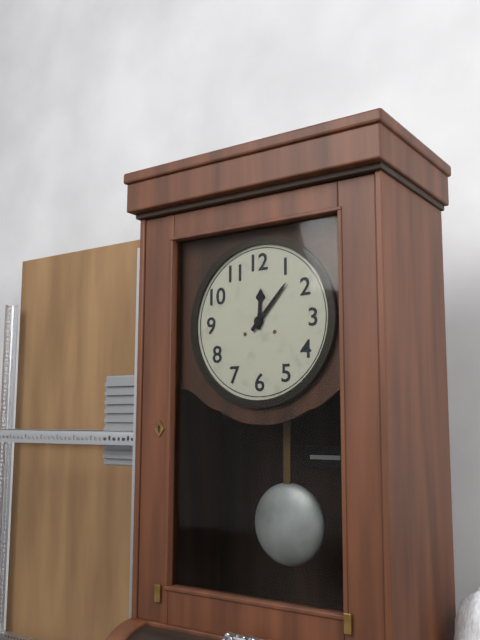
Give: 12h07
